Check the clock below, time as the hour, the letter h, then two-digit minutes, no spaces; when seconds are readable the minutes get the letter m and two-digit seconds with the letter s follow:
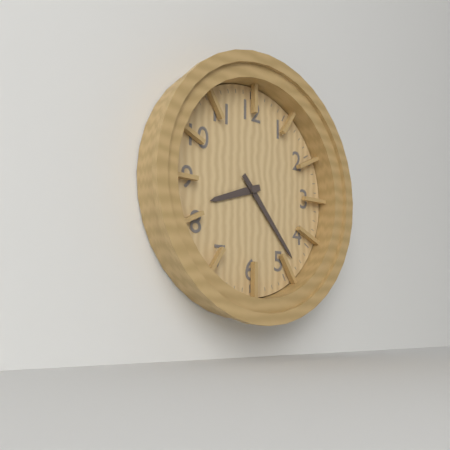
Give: 8h23
